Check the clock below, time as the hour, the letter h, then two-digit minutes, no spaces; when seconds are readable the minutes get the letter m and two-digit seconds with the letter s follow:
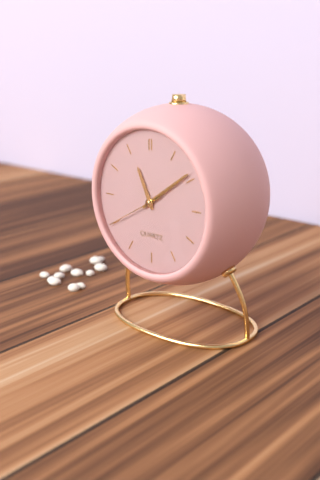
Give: 11h09m40s
